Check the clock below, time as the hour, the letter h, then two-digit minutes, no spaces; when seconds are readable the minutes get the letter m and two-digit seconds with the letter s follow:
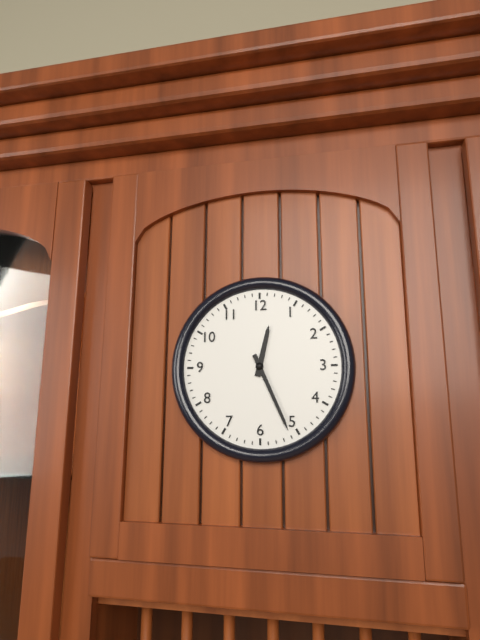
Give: 12h26
